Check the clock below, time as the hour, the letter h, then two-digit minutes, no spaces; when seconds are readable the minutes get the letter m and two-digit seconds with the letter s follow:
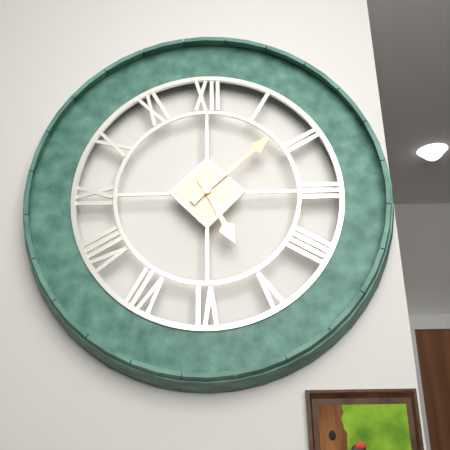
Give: 5h08
